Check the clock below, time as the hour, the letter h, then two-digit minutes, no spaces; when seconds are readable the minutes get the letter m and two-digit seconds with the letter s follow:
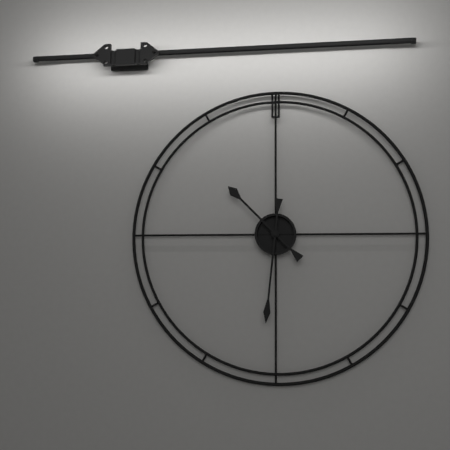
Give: 10h31
